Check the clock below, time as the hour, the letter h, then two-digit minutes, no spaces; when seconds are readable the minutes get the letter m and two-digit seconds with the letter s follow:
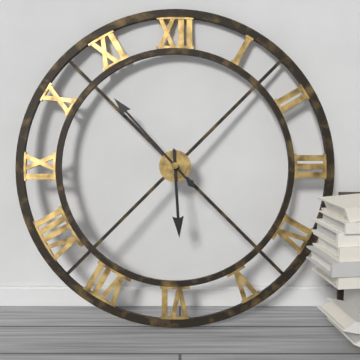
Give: 5h53
